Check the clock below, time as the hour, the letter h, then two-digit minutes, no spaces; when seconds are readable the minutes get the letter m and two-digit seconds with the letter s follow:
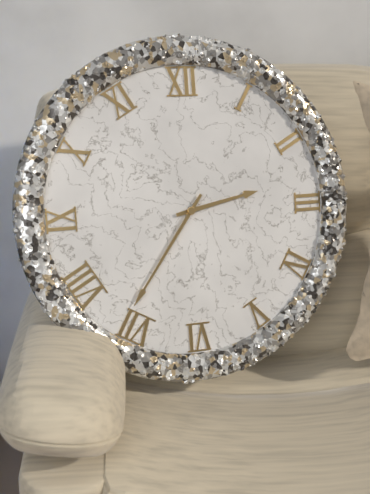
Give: 2h36
